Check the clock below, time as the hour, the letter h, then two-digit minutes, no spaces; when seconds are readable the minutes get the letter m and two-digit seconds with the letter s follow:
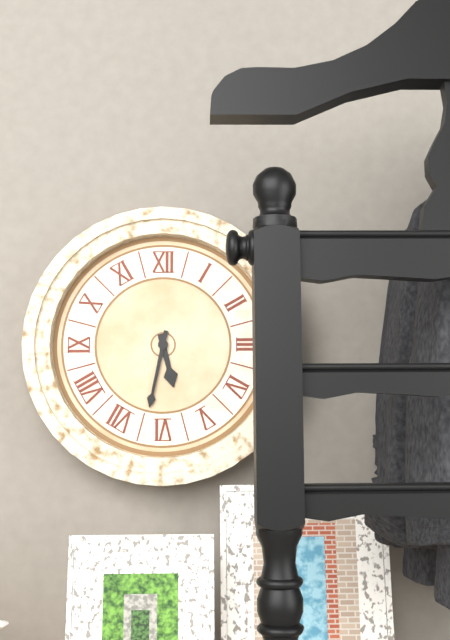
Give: 5h32
